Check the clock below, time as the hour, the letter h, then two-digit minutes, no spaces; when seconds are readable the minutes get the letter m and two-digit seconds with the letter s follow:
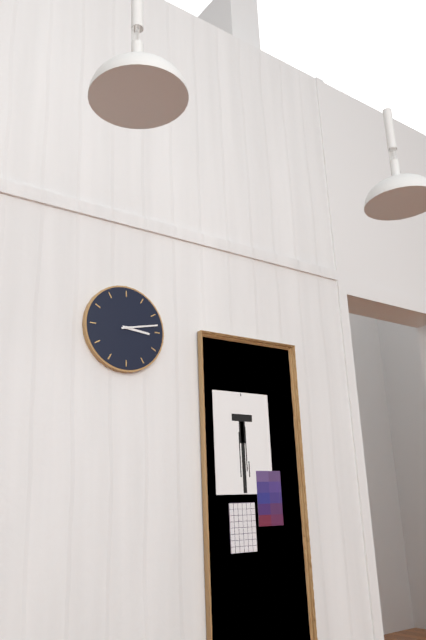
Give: 3h13
